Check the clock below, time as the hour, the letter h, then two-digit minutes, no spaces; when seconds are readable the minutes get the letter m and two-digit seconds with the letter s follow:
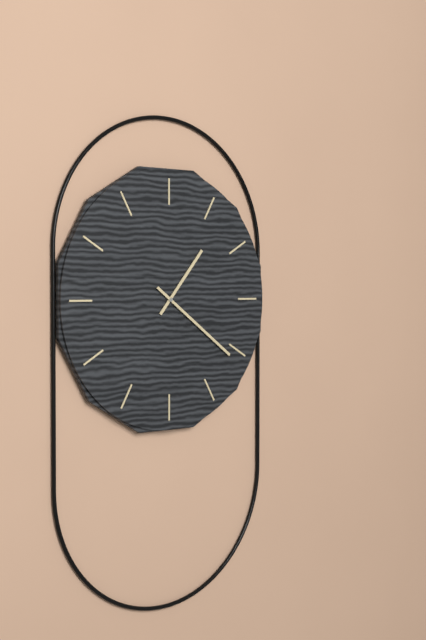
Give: 1h21
